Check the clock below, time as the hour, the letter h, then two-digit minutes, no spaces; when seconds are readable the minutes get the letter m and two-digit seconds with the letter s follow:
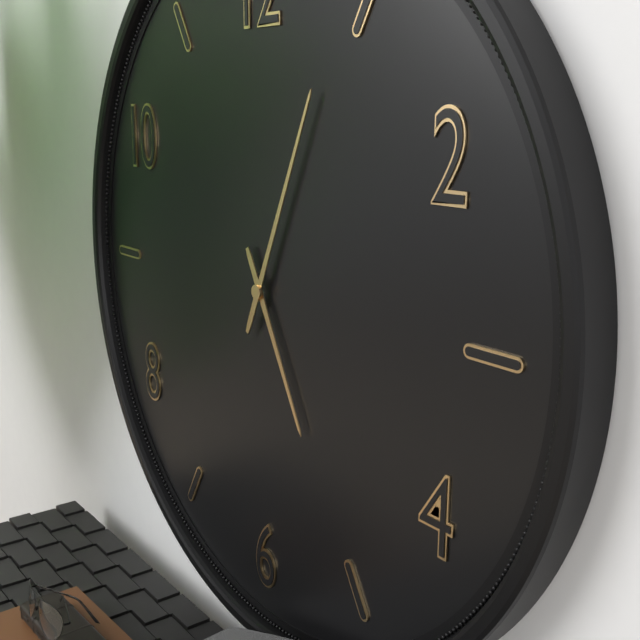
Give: 5h04
